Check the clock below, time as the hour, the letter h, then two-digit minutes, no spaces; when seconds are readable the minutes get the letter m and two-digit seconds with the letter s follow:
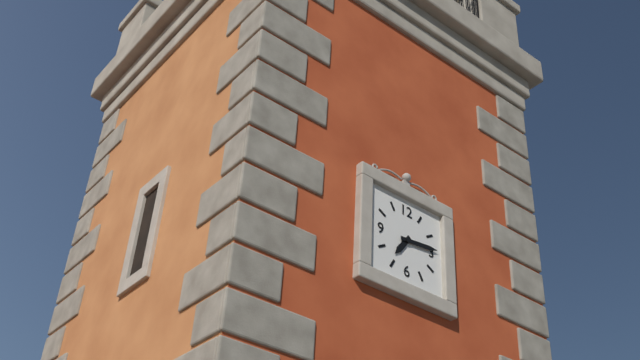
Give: 7h14
